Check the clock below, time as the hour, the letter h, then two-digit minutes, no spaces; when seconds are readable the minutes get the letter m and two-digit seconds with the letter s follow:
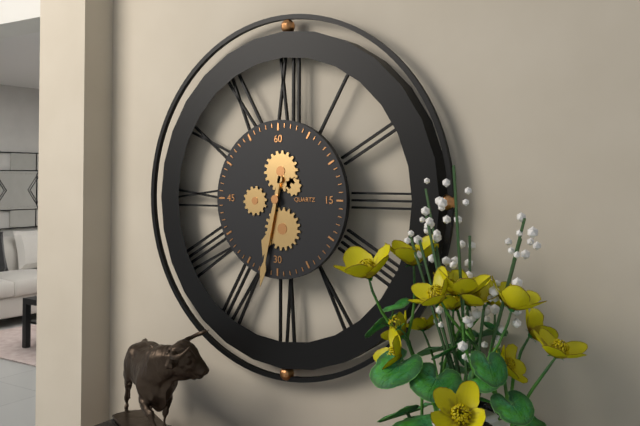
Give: 6h32
